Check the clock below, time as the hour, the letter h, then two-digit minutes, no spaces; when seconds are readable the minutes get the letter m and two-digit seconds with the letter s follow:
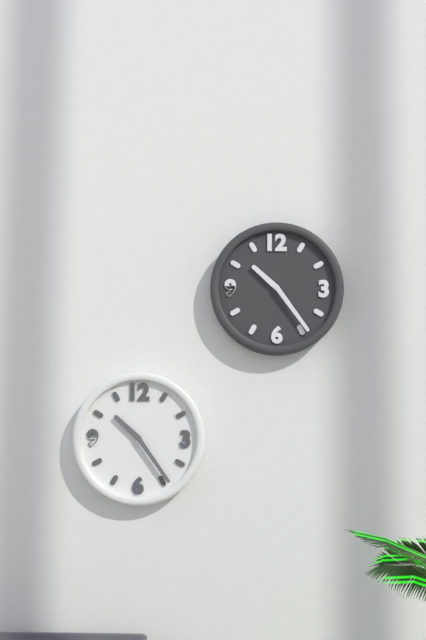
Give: 10h24
